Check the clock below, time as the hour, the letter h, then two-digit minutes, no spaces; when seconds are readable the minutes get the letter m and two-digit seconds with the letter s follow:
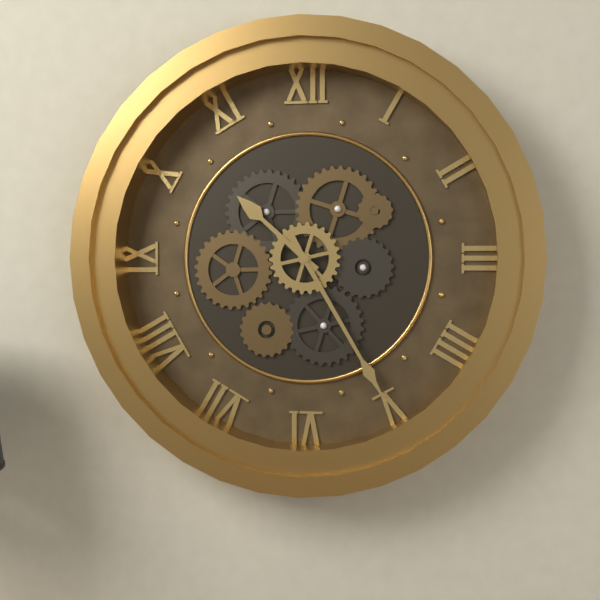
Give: 10h25
